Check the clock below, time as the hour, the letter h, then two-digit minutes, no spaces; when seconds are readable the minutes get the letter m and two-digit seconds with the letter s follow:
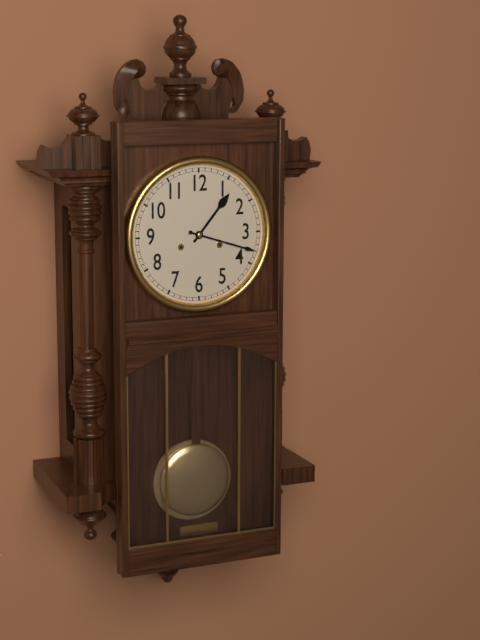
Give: 1h18
